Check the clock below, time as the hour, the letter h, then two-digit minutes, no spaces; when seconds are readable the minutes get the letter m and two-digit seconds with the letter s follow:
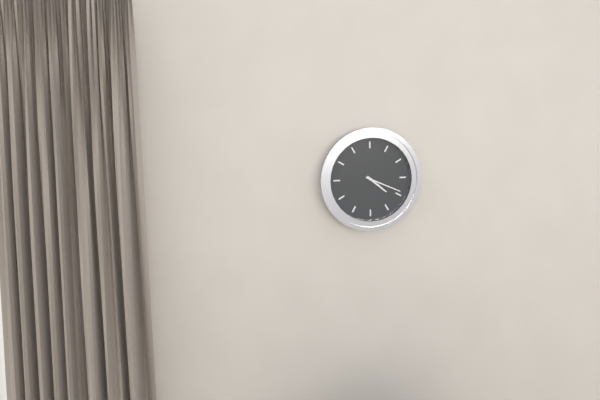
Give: 4h19
